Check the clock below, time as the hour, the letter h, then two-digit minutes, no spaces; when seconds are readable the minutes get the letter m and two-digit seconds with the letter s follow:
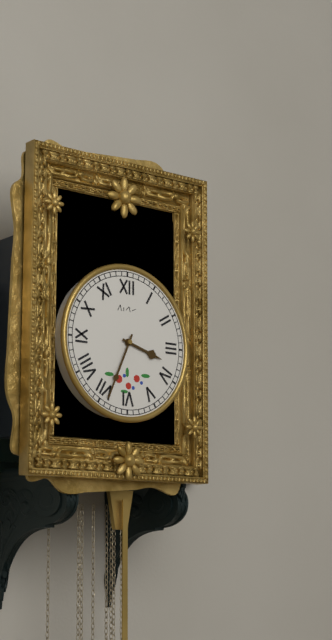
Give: 3h34
